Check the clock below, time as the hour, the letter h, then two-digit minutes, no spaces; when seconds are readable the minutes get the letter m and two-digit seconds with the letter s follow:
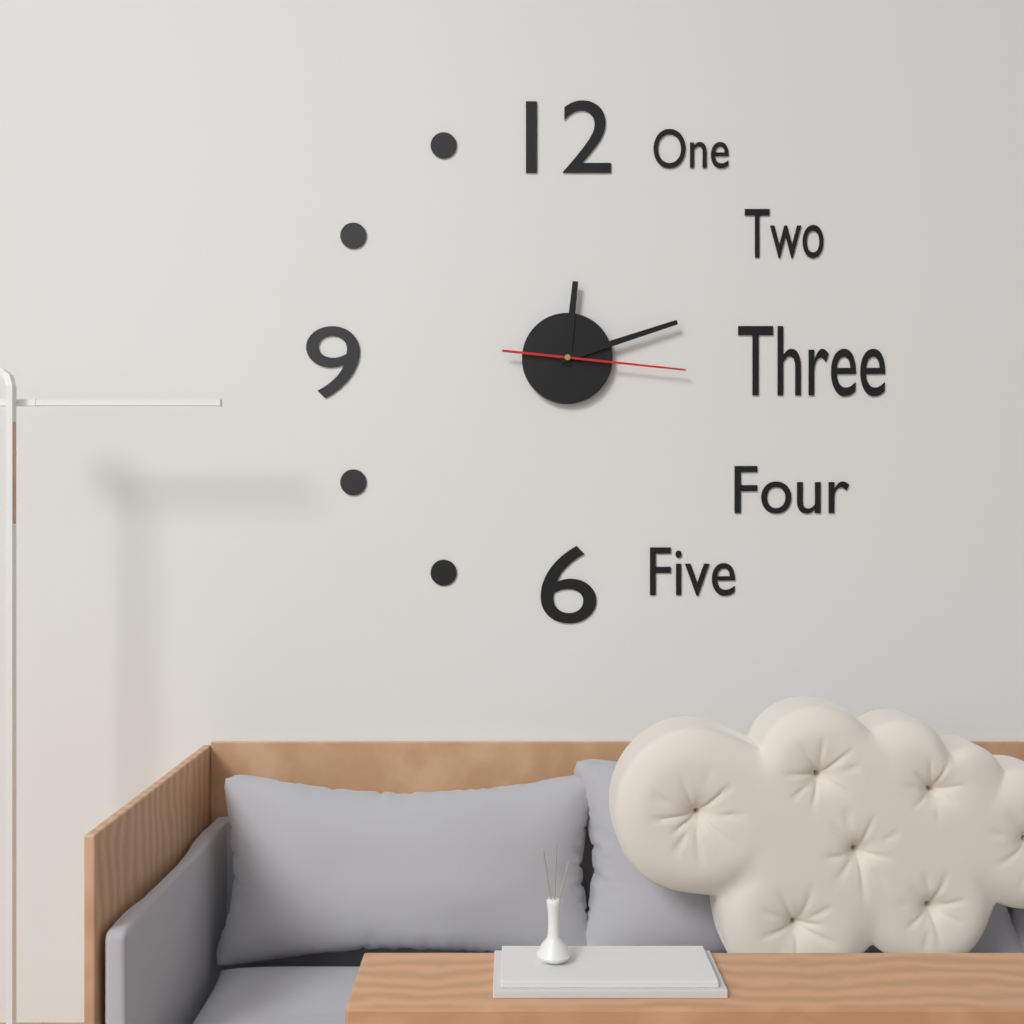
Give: 12h12m16s
